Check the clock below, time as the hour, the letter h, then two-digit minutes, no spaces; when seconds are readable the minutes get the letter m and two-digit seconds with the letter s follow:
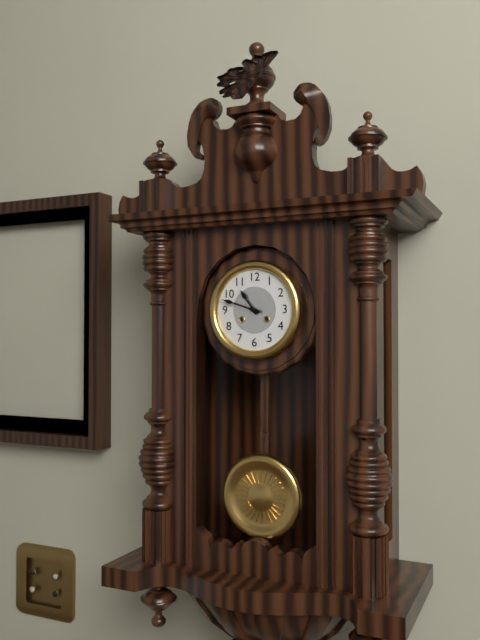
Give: 10h48
